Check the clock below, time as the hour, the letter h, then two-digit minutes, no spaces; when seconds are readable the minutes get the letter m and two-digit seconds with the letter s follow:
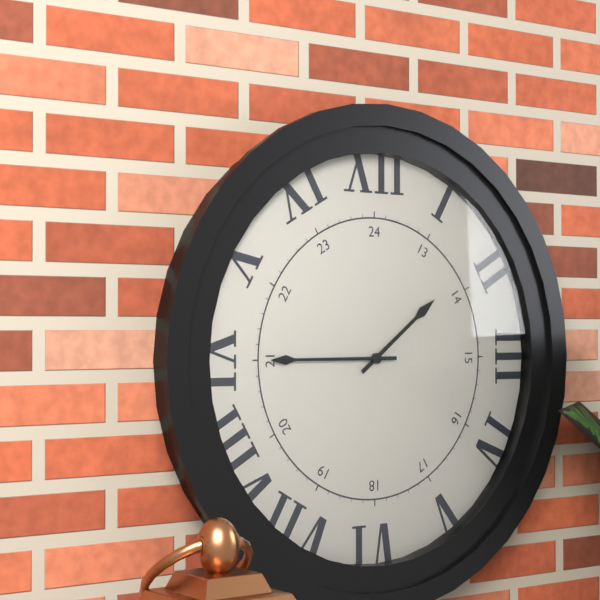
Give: 1h45
